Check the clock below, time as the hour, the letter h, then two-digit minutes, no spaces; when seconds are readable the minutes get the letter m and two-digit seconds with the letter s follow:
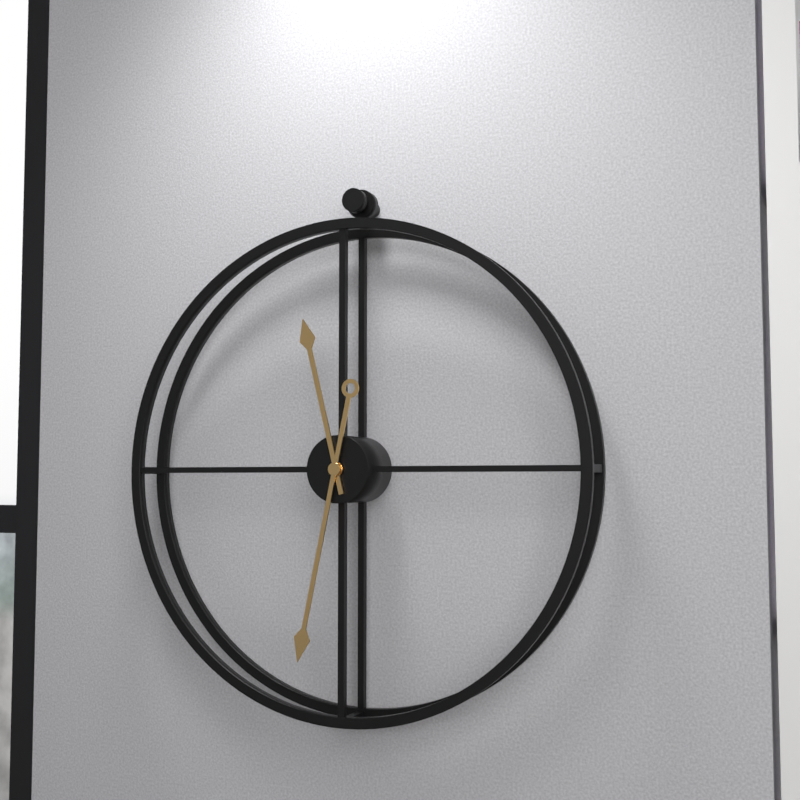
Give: 11h32
